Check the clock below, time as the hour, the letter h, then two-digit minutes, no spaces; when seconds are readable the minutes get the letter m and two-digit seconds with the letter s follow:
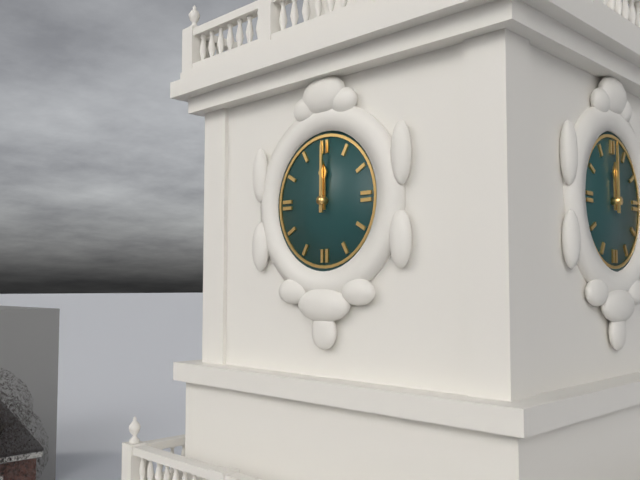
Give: 12h00
